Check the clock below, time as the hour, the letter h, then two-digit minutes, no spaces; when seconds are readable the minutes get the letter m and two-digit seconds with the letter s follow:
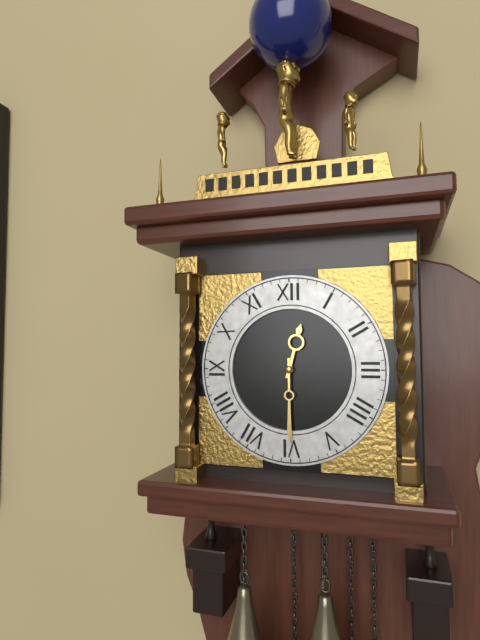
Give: 12h30
